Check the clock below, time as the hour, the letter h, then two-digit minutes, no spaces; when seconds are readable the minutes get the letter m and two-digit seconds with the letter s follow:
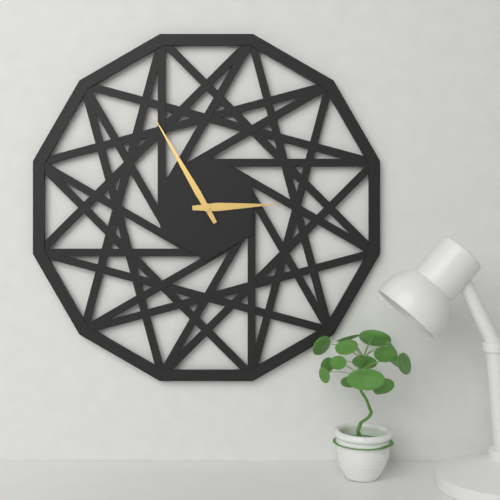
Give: 2h55
